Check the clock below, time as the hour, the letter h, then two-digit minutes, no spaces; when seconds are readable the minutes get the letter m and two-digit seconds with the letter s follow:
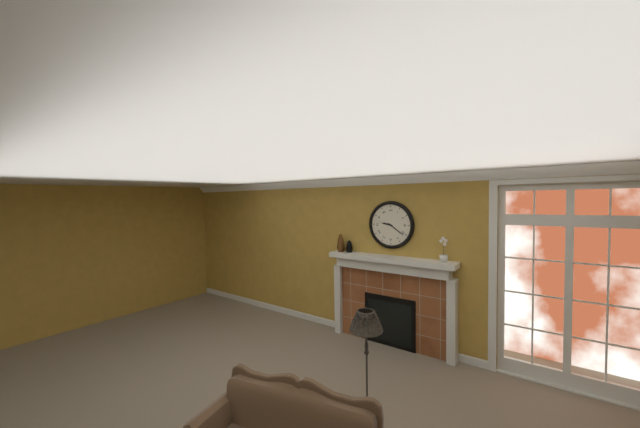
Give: 9h21
